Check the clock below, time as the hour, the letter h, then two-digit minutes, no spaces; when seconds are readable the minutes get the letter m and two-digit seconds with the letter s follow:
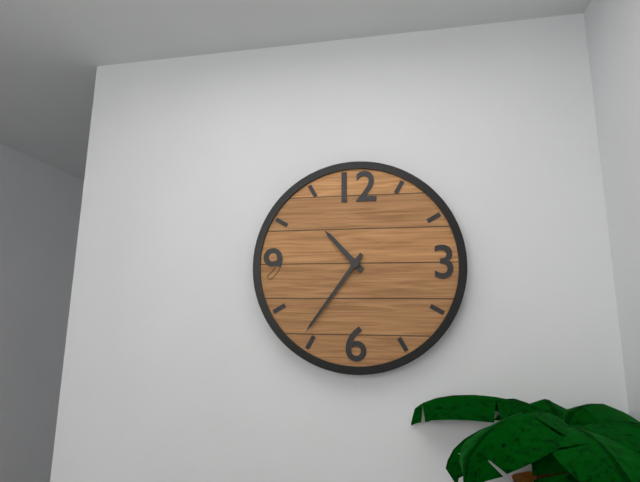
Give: 10h36
